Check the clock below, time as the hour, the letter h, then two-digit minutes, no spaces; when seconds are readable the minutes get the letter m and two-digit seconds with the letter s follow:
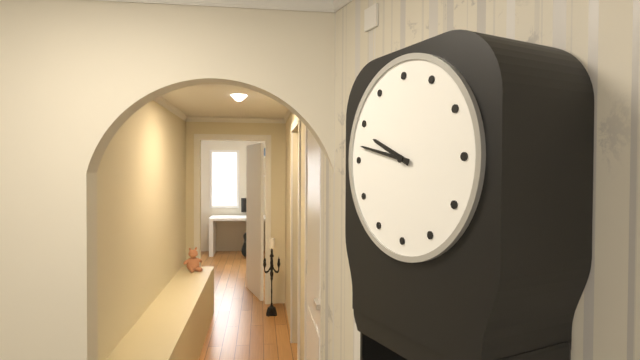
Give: 9h47
